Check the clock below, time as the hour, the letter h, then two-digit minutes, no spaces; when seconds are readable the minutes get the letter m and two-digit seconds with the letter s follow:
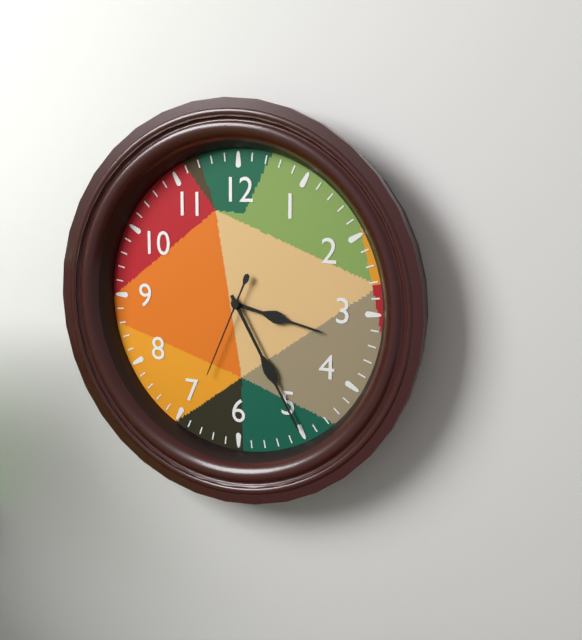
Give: 3h25m34s
